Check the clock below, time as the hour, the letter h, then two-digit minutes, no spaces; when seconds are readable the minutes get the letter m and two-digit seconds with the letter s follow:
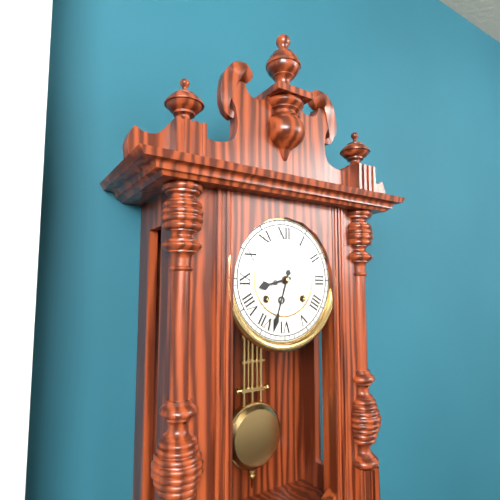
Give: 8h33
